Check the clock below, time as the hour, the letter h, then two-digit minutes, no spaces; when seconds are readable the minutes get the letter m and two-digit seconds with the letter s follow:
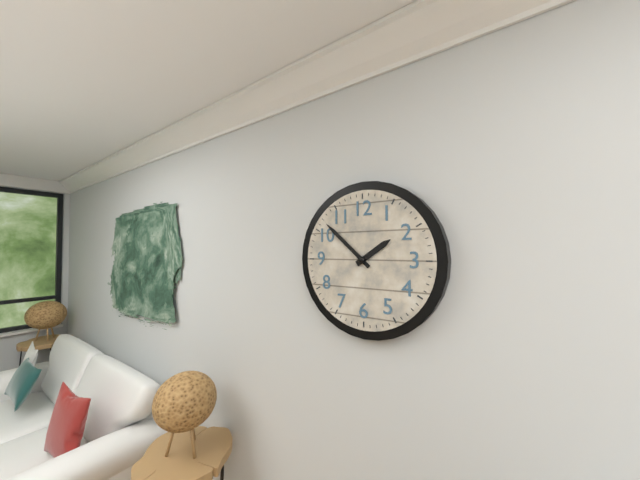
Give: 1h52
